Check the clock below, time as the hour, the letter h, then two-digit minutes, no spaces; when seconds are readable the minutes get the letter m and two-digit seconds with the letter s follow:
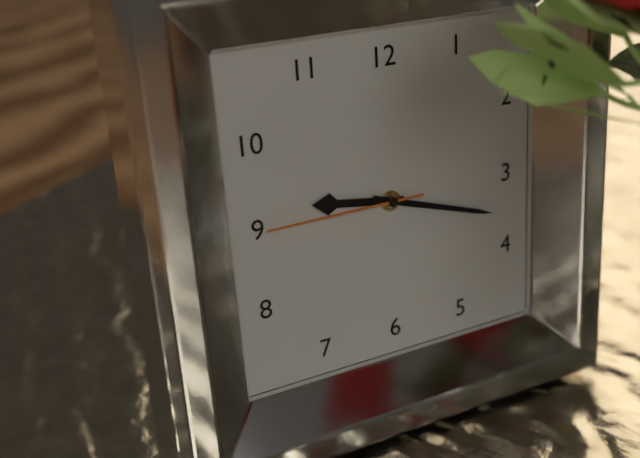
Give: 9h18m45s
